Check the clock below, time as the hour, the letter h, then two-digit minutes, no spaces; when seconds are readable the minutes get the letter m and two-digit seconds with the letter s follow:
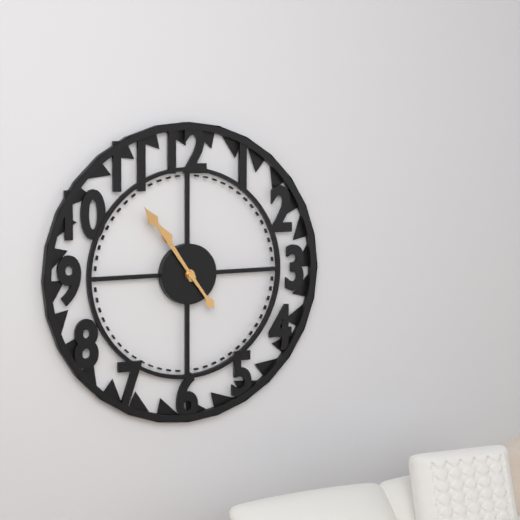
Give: 10h54
